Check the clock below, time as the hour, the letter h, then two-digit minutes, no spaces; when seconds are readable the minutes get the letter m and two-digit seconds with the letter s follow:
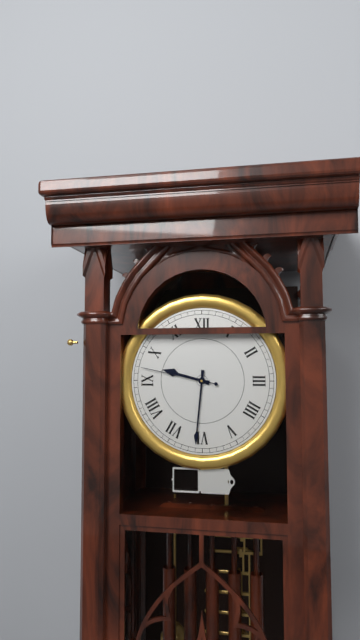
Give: 9h31m47s
